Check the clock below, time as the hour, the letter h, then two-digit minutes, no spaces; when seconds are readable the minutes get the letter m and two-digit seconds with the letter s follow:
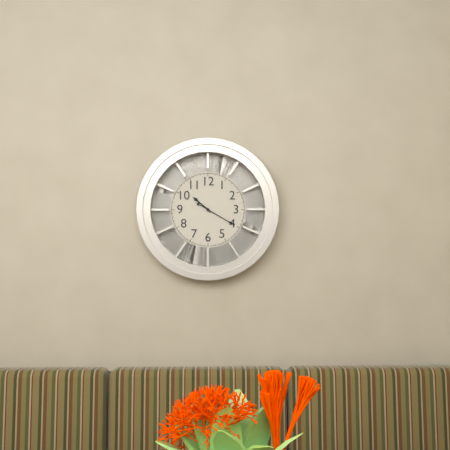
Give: 10h20
